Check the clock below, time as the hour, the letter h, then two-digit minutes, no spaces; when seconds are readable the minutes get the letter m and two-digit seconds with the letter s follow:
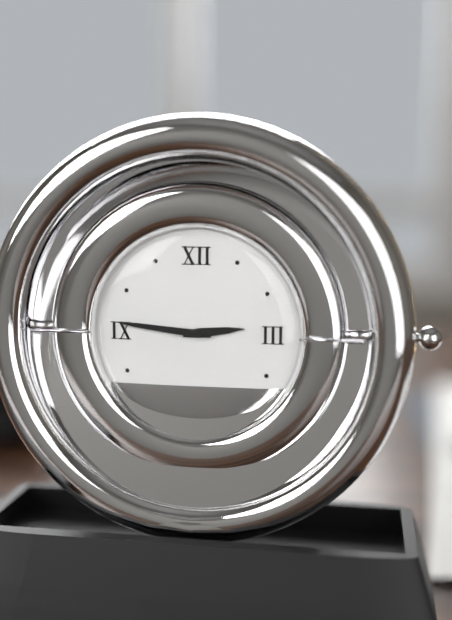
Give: 2h46
